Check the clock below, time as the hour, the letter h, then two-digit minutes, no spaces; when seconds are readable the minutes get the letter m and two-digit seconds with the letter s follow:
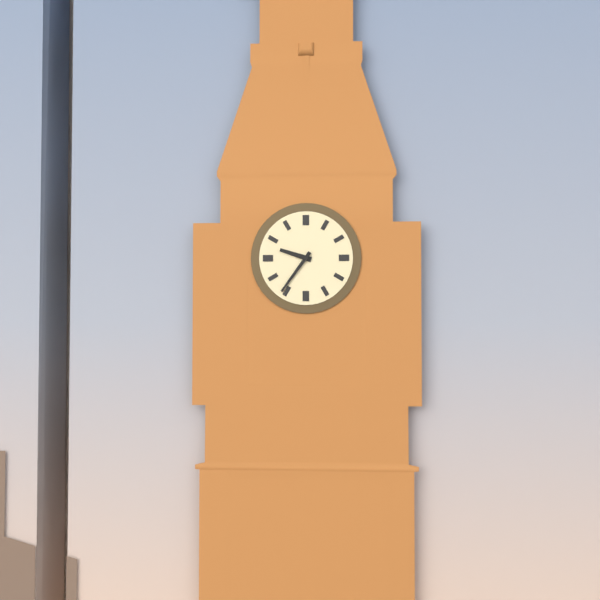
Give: 9h36
